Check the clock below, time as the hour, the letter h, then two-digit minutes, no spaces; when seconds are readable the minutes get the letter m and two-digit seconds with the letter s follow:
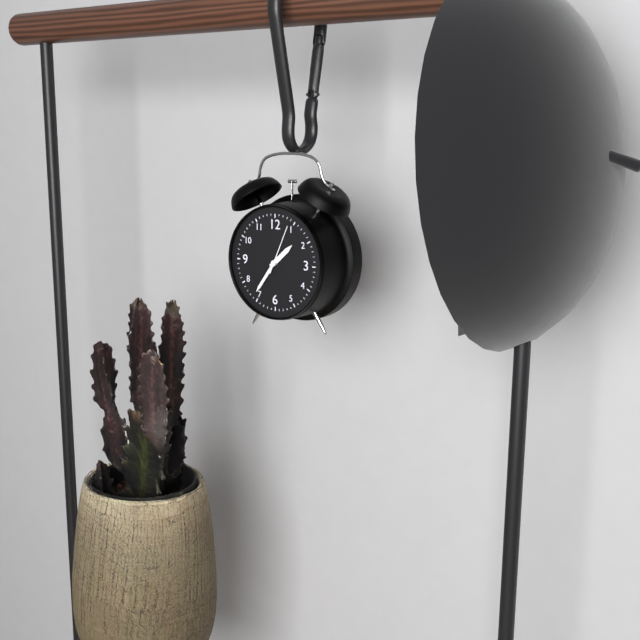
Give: 1h36
